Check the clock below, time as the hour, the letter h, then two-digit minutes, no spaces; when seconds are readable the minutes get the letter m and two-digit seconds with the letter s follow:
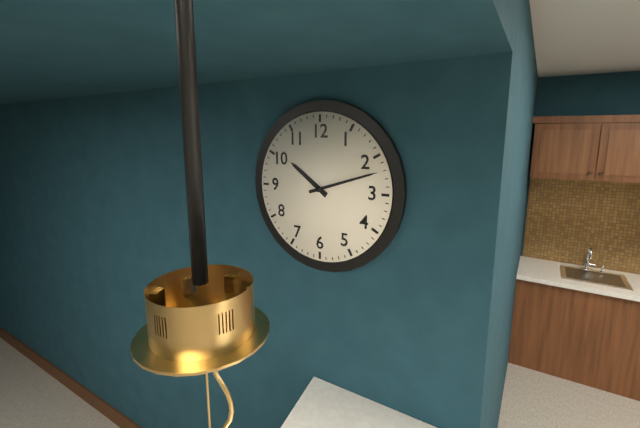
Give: 10h12
